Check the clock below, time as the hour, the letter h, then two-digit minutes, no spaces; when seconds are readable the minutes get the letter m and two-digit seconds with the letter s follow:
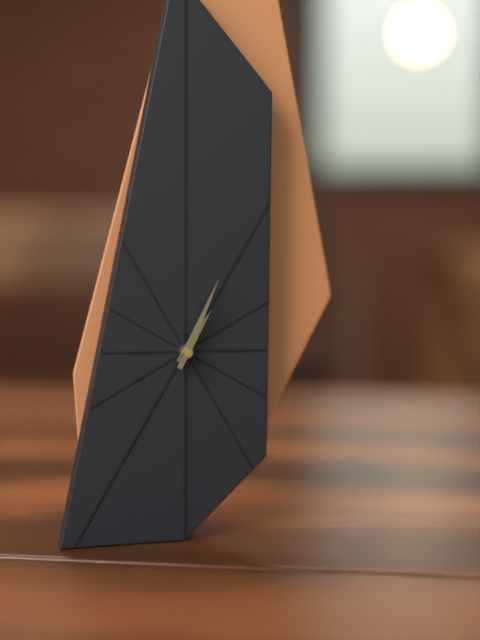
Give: 1h04
